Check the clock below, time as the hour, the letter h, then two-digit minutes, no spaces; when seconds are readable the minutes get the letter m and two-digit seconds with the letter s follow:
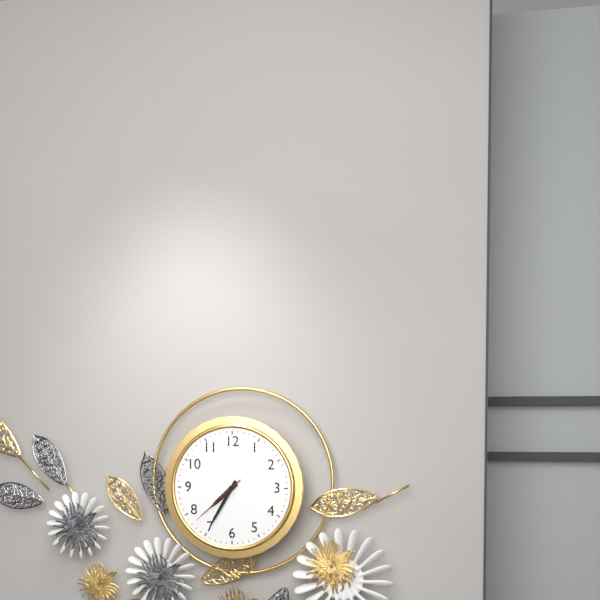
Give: 7h35m38s
